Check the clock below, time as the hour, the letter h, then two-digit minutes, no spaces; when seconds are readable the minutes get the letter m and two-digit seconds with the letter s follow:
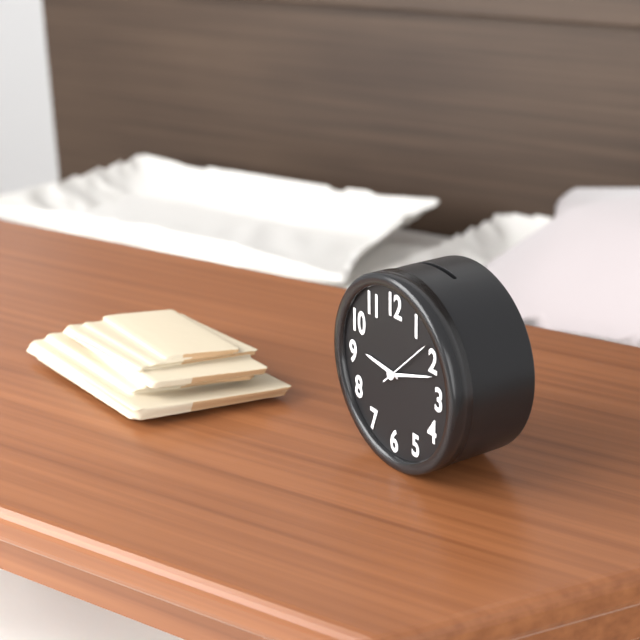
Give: 9h12m08s
